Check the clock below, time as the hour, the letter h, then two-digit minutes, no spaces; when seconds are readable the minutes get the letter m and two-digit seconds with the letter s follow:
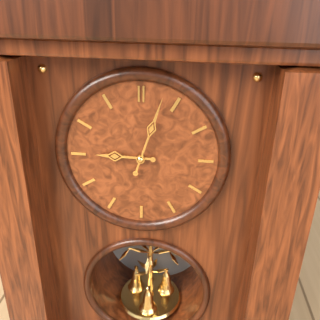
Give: 9h03
